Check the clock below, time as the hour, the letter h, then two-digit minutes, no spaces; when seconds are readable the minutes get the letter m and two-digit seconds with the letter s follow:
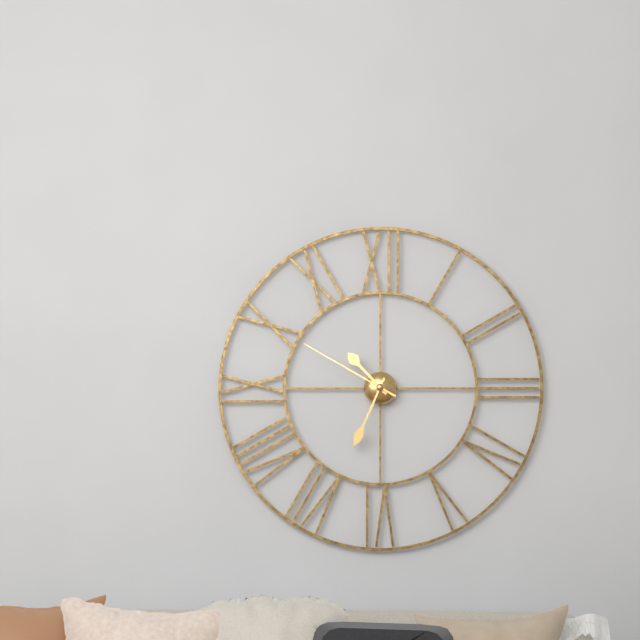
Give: 10h34m50s
